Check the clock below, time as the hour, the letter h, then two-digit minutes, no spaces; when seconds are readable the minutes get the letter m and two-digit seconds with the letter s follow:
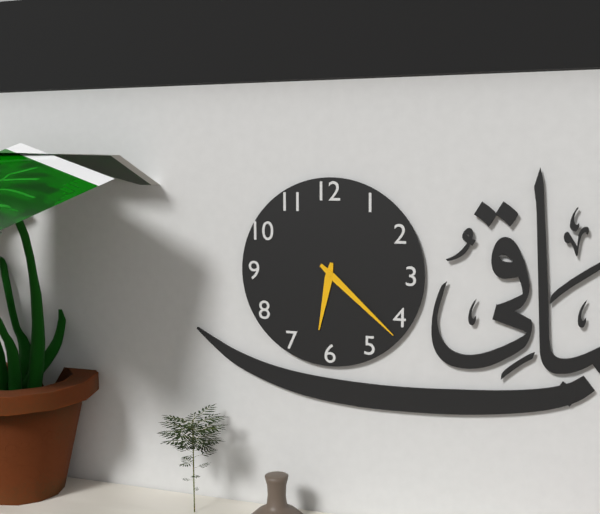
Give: 6h22
